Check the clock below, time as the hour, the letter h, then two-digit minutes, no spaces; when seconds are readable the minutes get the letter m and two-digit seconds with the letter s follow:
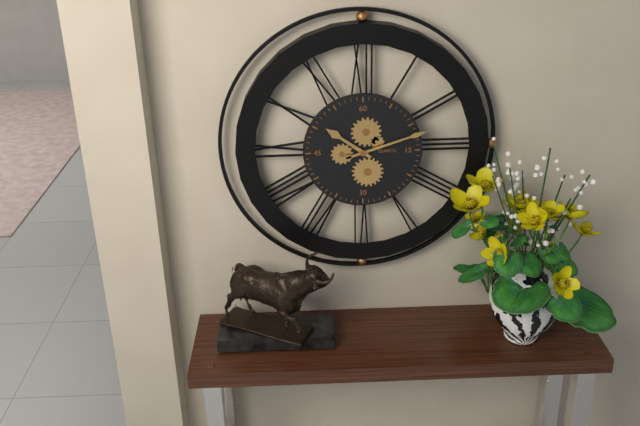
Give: 10h12
